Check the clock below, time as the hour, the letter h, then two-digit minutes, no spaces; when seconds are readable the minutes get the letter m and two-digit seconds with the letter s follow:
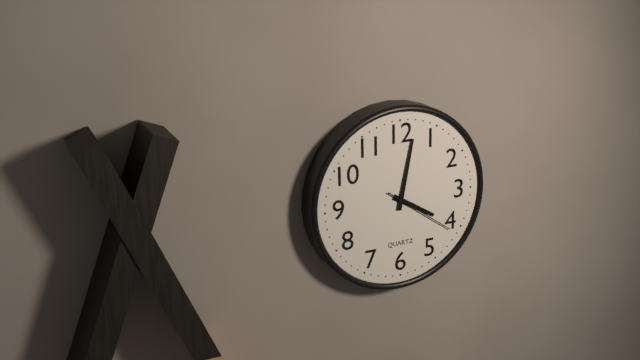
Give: 4h02m21s
